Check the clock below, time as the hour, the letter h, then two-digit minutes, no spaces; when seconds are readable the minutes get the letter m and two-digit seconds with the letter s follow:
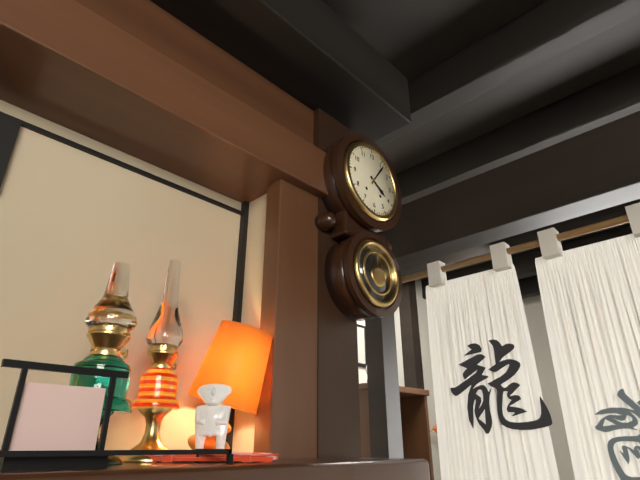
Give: 4h06
